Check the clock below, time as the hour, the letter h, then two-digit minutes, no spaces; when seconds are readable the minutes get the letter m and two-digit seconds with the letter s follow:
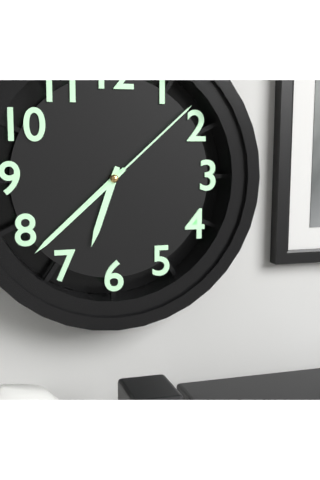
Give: 6h38m08s
